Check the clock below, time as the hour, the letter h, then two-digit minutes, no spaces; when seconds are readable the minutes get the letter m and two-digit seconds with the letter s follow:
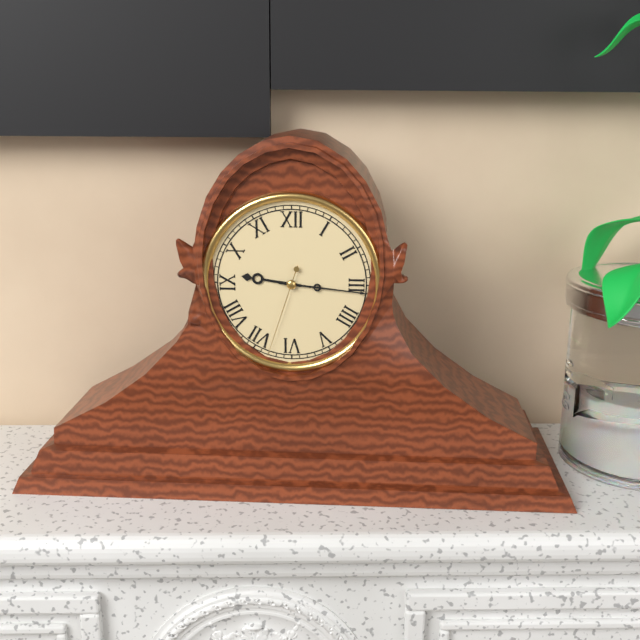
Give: 9h16m33s
